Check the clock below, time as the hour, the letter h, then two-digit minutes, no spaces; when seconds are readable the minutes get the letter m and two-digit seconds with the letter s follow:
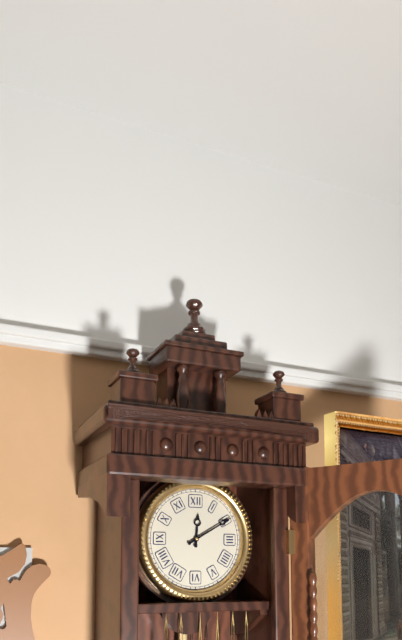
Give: 12h10
